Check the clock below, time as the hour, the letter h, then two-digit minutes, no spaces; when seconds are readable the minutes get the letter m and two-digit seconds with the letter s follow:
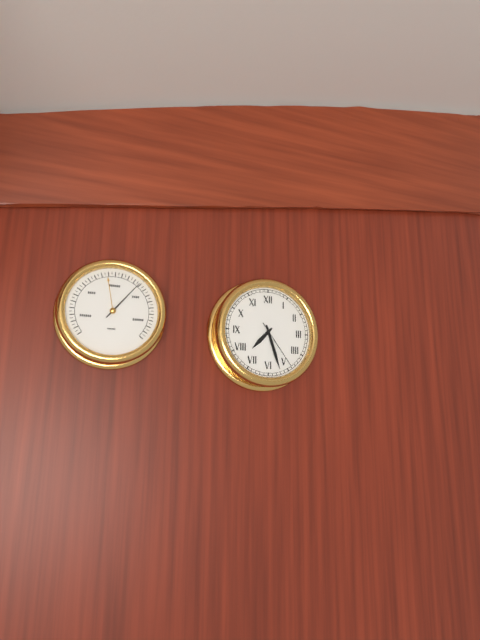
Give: 7h27m24s
